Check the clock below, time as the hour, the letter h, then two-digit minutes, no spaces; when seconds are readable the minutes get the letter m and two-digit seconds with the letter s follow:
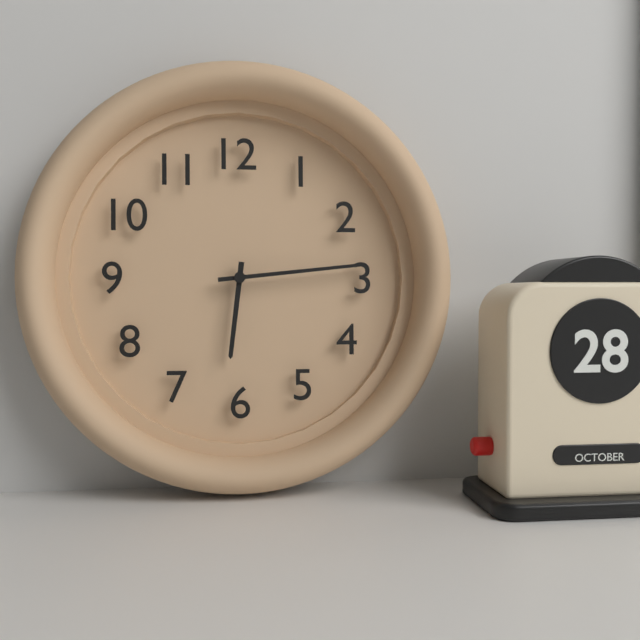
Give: 6h14
